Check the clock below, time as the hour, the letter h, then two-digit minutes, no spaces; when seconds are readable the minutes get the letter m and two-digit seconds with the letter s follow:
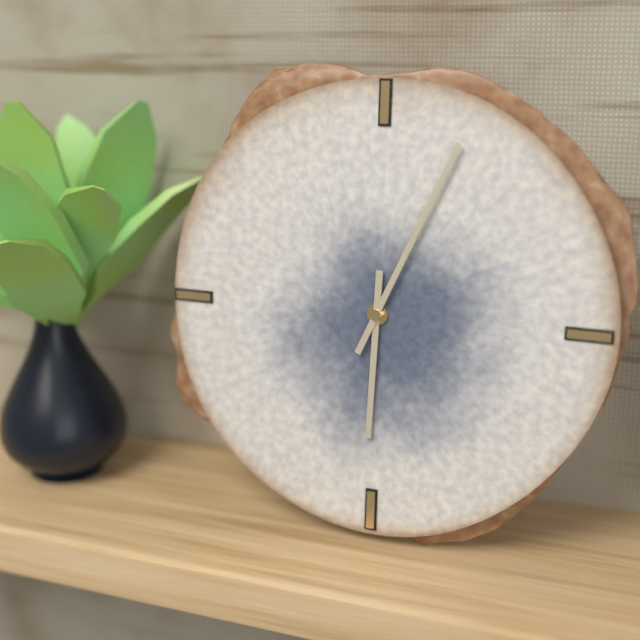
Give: 6h04
